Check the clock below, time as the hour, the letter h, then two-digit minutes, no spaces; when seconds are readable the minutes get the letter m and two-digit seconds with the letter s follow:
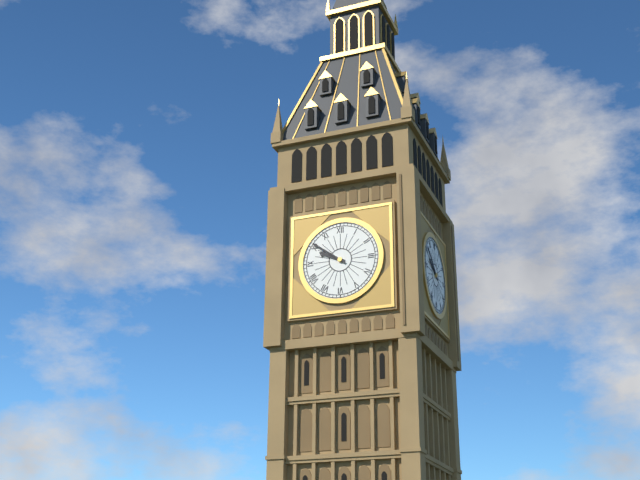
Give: 9h51
